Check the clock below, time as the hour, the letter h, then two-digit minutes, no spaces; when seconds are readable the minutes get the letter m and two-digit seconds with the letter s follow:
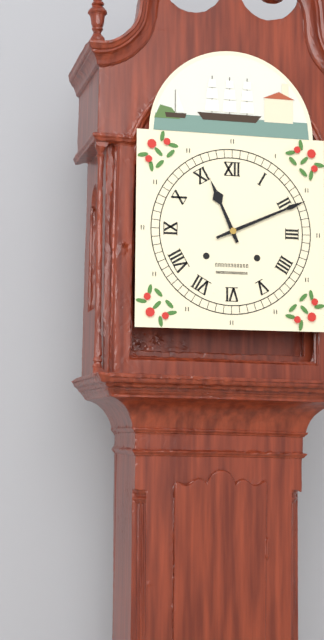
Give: 11h11
